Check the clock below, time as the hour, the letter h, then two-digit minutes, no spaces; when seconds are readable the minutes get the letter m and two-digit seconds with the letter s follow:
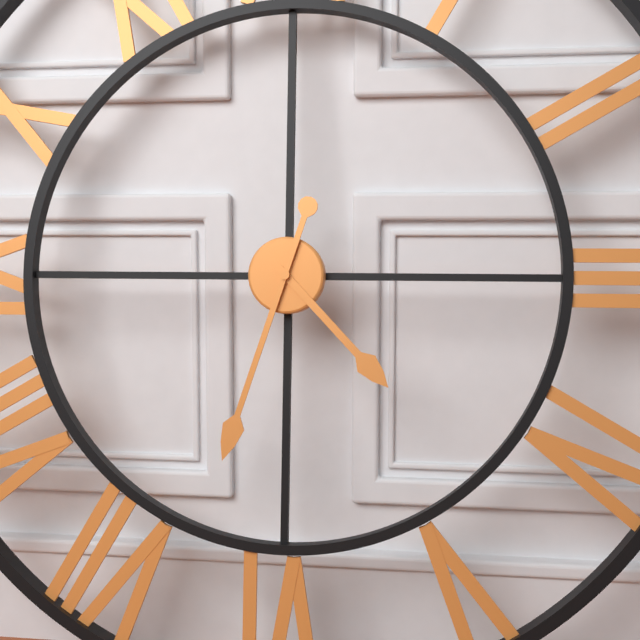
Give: 4h33
